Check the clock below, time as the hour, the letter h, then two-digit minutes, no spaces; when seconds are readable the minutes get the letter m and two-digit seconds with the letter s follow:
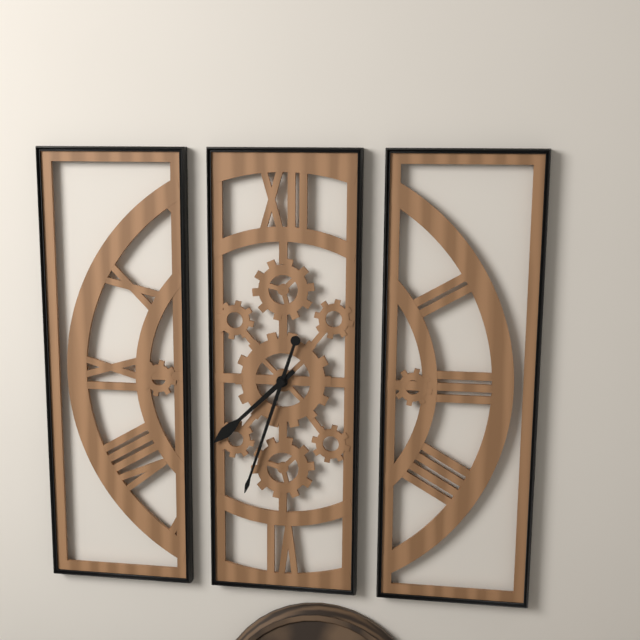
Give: 7h33
